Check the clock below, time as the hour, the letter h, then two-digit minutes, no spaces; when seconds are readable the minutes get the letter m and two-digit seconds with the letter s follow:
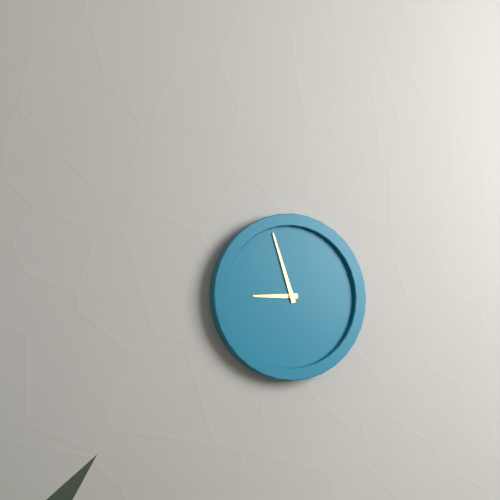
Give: 8h57
